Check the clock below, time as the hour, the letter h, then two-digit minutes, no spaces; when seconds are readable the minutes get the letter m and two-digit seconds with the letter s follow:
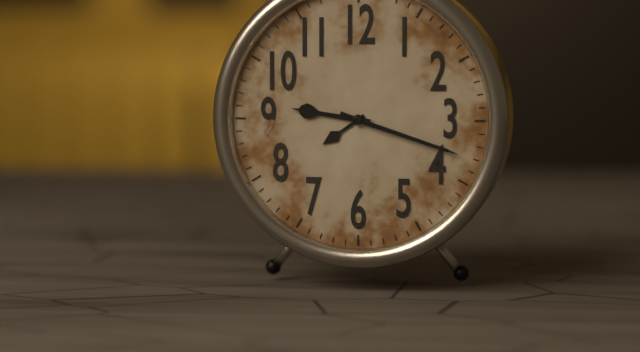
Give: 9h18
